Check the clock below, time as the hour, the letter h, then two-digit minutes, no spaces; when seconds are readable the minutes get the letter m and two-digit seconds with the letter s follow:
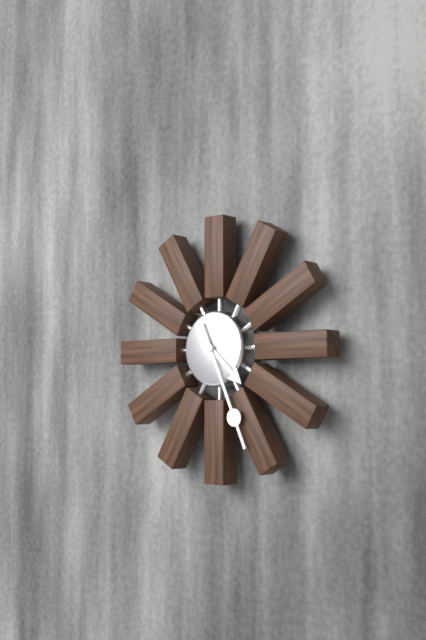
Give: 4h26
